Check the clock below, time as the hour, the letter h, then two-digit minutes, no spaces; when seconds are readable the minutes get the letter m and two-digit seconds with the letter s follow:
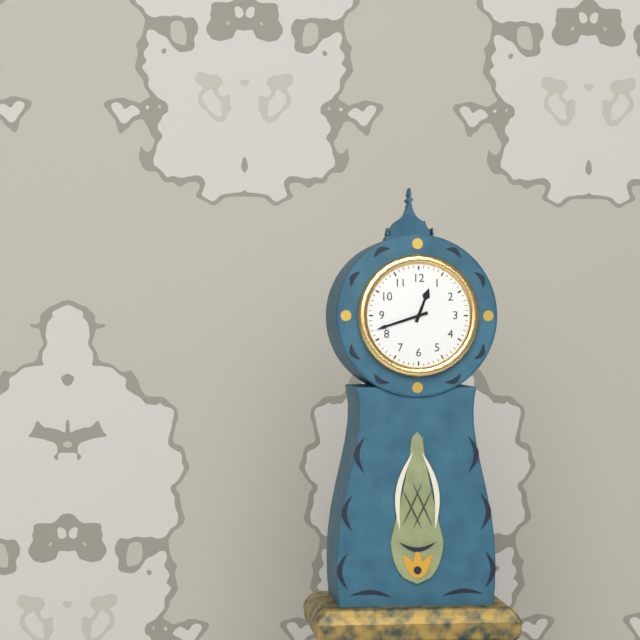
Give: 12h42
